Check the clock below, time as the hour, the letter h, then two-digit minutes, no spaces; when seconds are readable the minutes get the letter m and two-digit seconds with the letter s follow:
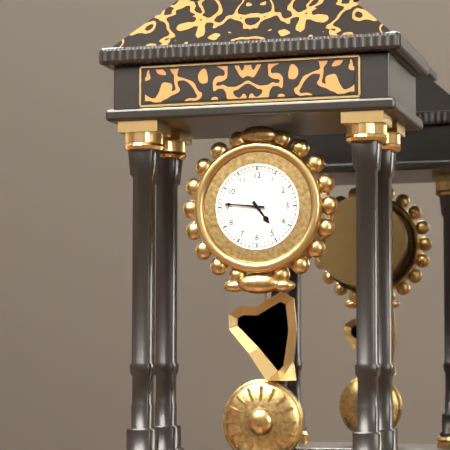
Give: 4h46
